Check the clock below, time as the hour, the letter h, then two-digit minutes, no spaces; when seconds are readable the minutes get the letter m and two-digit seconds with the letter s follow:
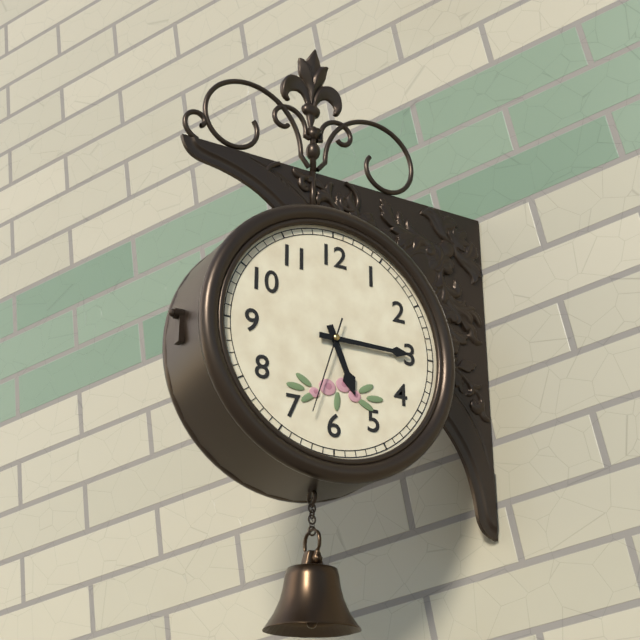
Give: 5h15m33s
